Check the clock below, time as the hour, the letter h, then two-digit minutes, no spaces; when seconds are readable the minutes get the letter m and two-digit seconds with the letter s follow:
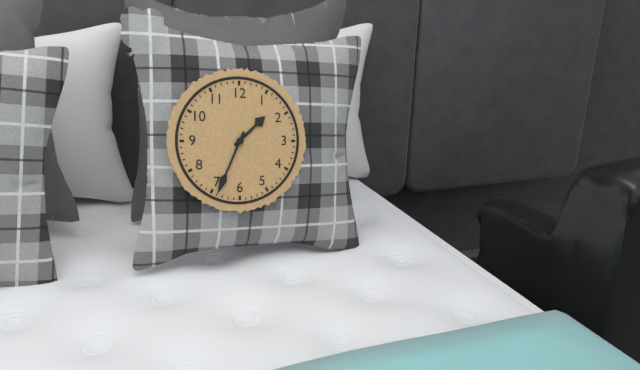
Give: 1h34
